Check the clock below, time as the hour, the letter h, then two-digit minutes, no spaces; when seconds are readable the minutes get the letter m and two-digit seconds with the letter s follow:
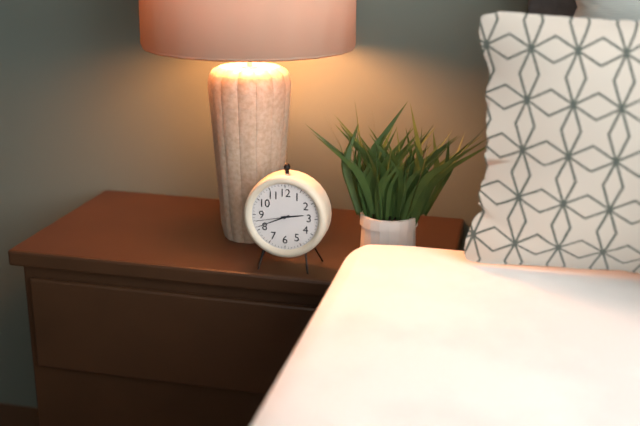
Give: 2h41
